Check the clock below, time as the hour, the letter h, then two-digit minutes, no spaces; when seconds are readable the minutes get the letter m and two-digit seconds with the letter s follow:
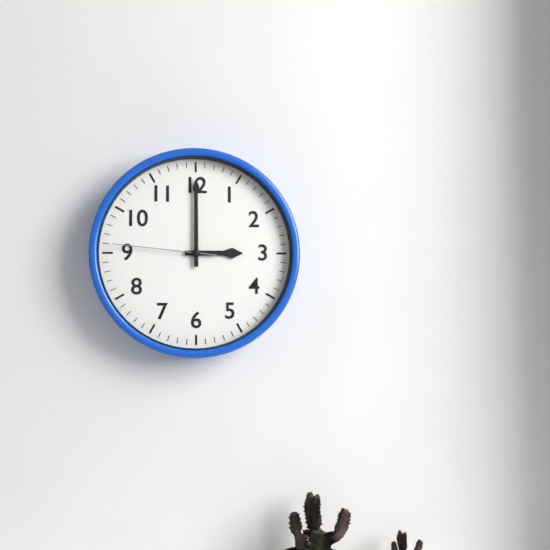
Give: 3h00m46s
